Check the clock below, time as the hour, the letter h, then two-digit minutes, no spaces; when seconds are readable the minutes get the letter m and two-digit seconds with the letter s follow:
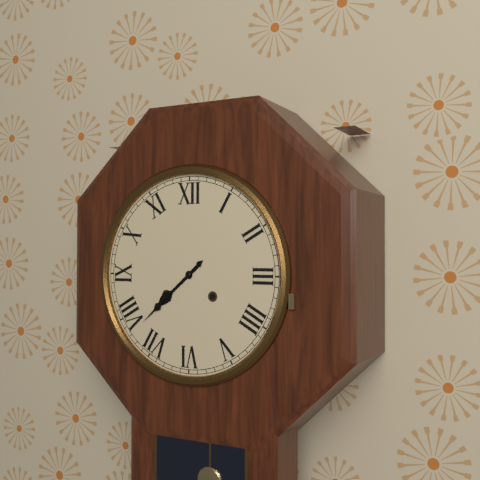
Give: 7h38
